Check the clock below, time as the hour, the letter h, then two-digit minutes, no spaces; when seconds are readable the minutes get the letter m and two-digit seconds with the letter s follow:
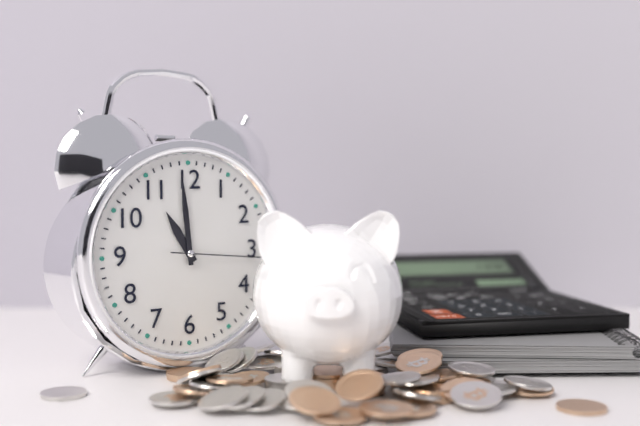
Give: 10h59m16s
